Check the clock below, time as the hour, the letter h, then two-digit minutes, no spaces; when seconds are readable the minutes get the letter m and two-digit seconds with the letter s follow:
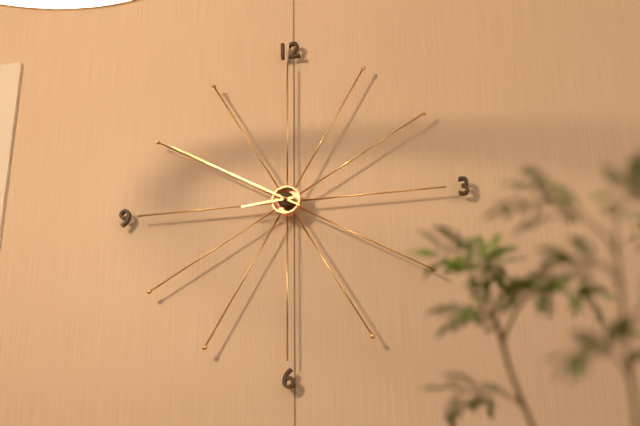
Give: 8h50
